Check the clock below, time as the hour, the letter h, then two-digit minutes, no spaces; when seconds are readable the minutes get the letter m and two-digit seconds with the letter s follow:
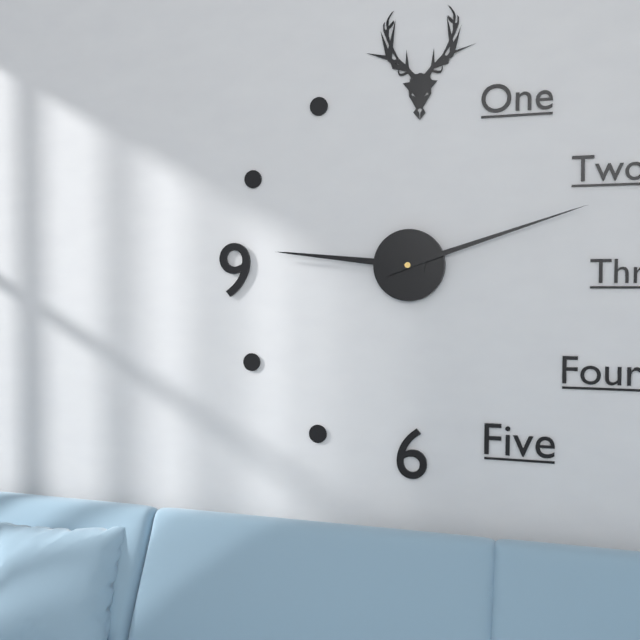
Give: 9h12
